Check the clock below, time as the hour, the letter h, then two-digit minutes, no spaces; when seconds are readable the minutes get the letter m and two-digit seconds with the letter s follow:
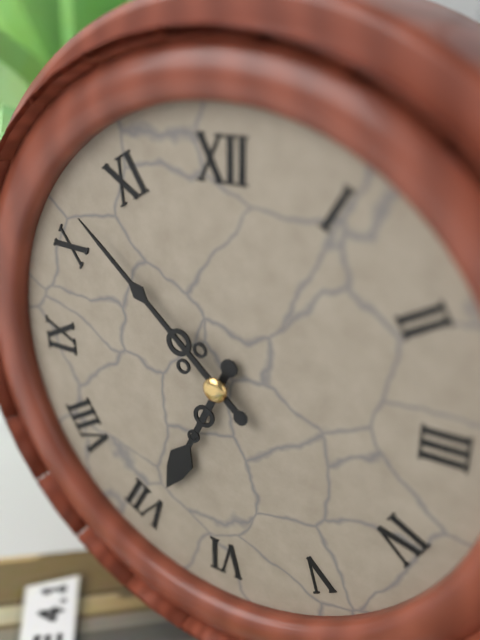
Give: 6h52
